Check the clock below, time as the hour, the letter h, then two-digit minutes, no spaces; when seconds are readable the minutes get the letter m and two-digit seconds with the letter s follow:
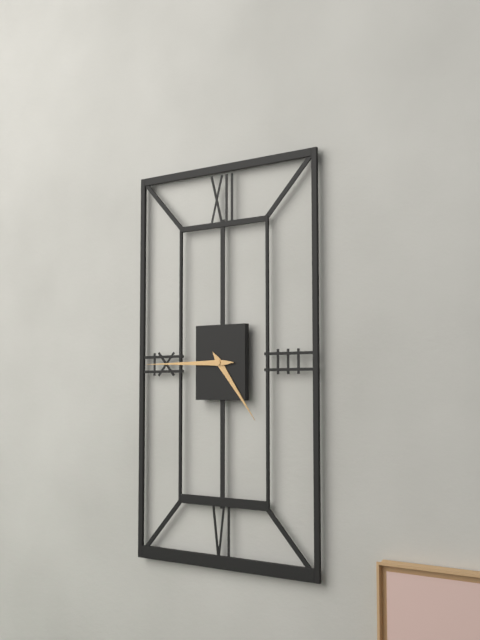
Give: 4h45
